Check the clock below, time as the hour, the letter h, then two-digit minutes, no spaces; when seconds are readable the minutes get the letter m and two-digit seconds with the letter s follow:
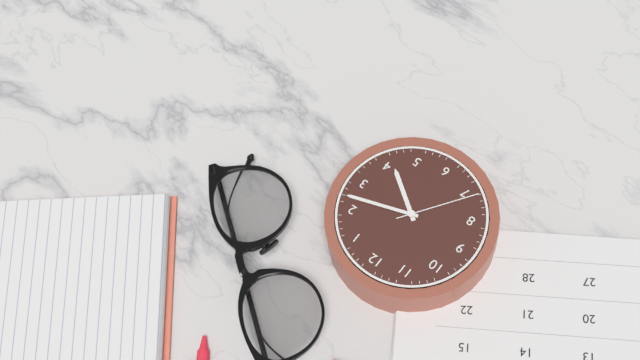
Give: 4h12m36s
